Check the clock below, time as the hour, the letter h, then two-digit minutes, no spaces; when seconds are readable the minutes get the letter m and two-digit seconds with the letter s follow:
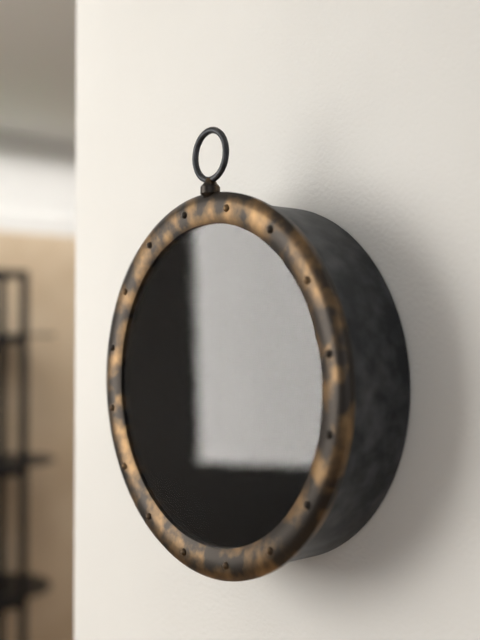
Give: 2h34
